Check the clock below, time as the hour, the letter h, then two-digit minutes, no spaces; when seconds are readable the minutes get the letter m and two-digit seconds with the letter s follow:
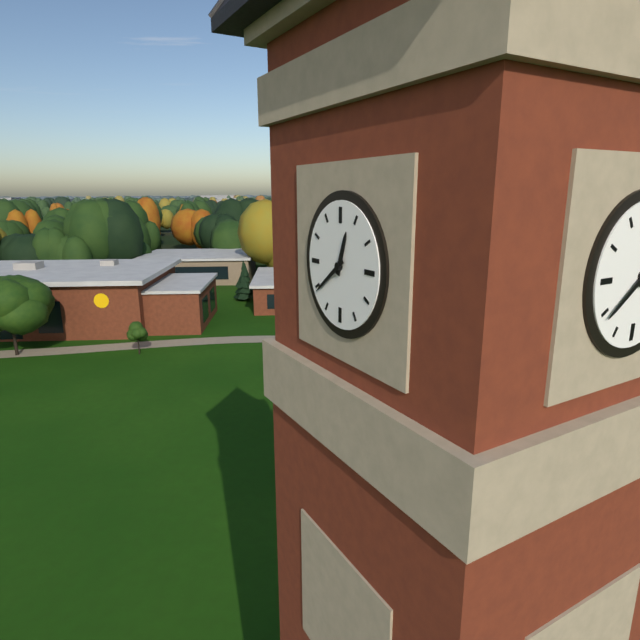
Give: 12h39
